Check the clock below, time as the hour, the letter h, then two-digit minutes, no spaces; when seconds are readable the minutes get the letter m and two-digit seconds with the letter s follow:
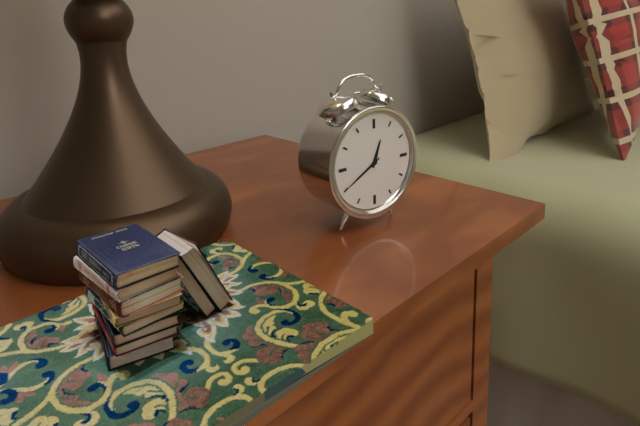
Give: 12h40
